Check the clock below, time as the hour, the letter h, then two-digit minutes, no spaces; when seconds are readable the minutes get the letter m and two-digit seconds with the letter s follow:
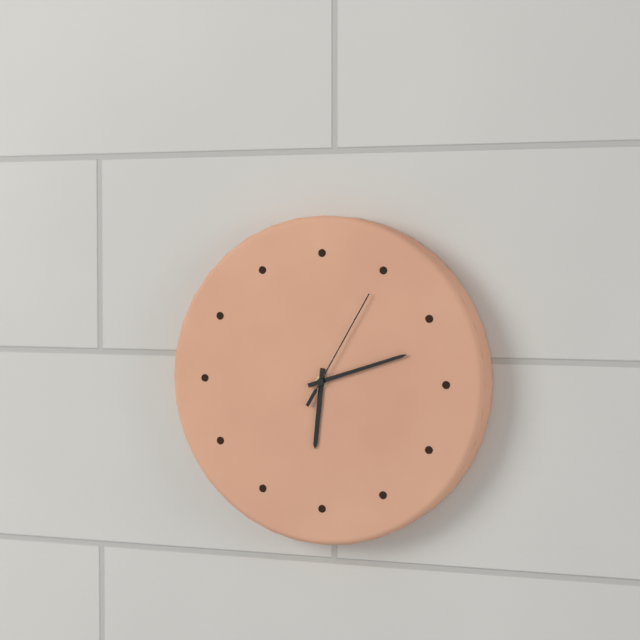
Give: 6h12m05s
